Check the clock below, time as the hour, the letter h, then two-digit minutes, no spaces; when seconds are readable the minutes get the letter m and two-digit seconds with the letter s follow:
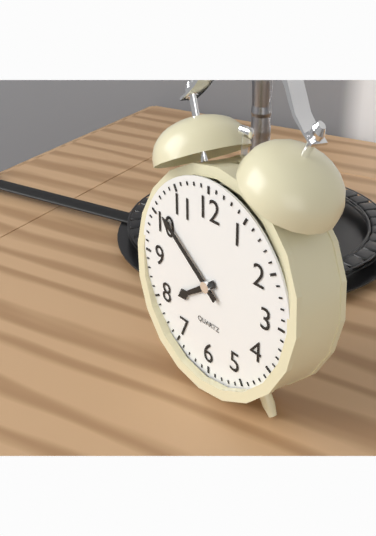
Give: 7h51
